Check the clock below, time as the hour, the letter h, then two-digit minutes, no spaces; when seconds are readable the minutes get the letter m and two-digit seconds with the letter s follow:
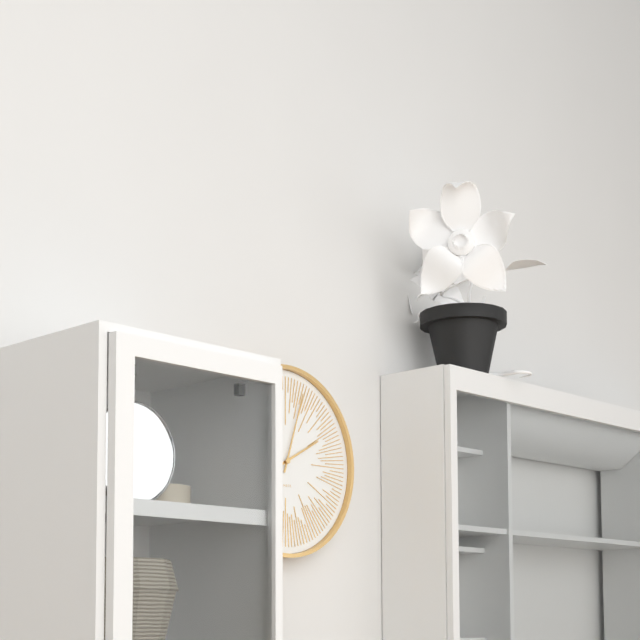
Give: 2h03
